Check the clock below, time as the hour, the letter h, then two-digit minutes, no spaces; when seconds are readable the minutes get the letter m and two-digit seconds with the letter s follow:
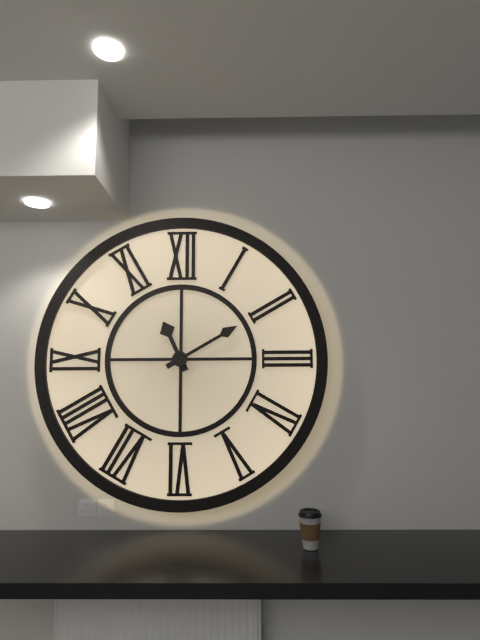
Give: 11h10
